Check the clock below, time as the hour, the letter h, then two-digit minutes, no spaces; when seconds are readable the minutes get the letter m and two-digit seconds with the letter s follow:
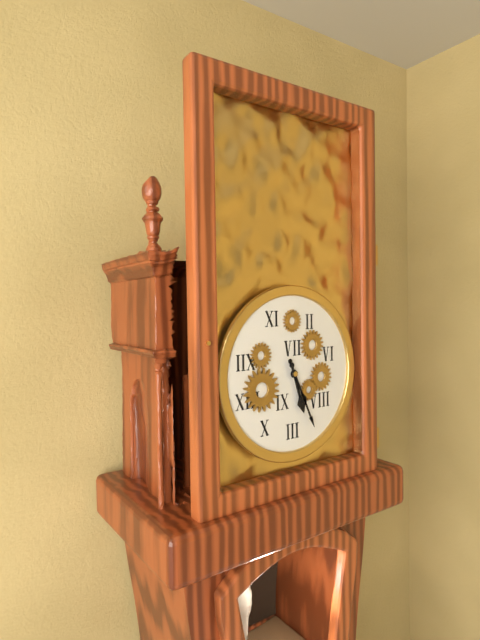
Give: 5h26
